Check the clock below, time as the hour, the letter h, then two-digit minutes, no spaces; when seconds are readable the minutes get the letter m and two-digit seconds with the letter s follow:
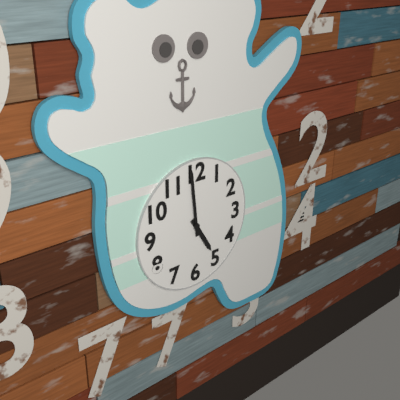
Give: 4h59
